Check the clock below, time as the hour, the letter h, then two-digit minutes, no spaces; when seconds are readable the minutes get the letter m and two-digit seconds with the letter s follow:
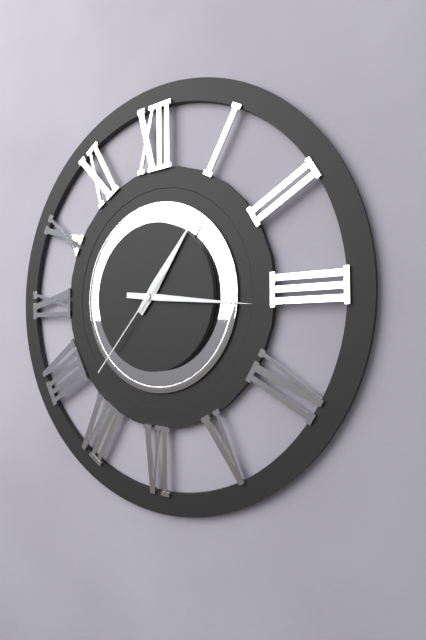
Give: 1h16m37s
